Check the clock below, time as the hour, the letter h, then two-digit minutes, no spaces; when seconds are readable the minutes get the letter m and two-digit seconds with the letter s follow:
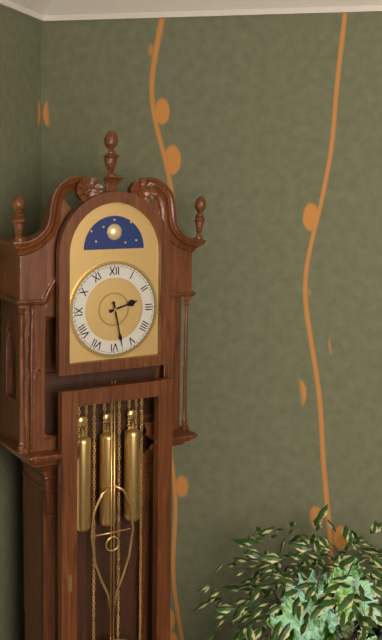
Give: 2h28
